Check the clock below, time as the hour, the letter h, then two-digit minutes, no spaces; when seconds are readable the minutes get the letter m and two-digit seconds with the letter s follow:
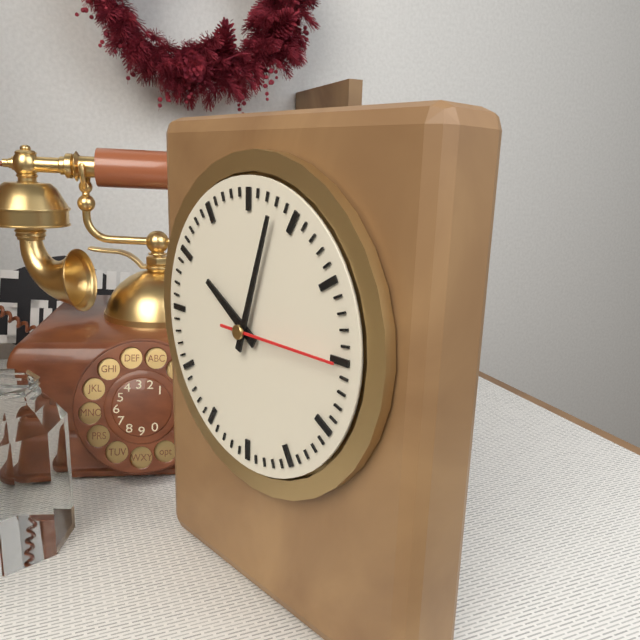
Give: 10h03m15s
